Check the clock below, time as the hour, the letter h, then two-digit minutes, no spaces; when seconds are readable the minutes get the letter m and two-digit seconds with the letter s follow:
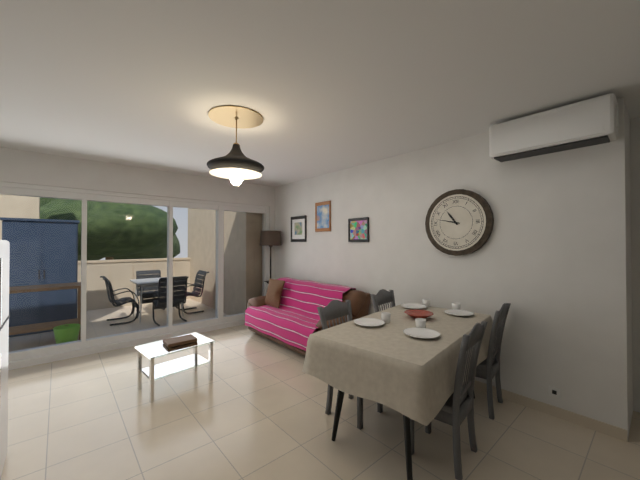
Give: 10h47
